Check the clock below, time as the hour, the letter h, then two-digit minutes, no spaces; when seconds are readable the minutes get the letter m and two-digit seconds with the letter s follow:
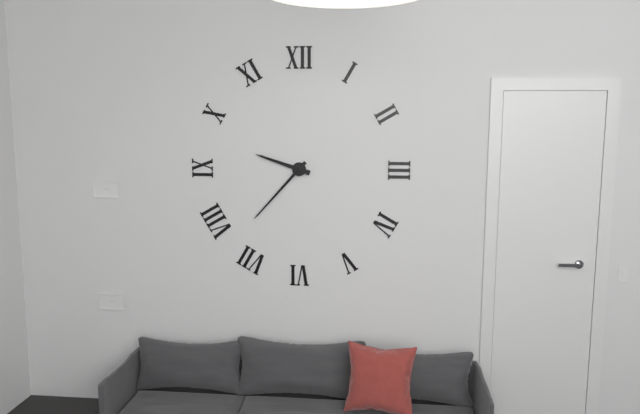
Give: 9h37
